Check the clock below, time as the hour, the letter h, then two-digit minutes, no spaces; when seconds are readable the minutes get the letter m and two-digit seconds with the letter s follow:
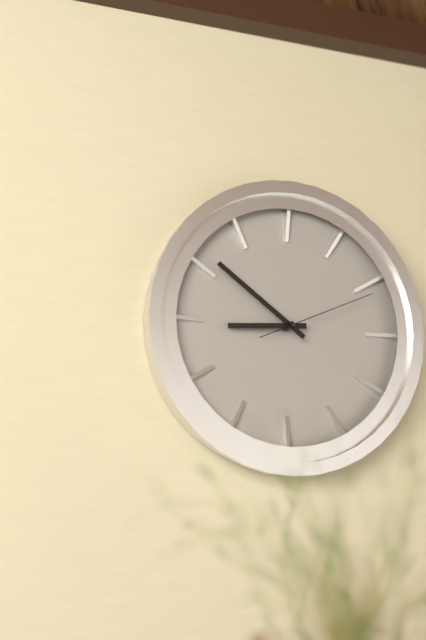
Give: 8h51m11s
